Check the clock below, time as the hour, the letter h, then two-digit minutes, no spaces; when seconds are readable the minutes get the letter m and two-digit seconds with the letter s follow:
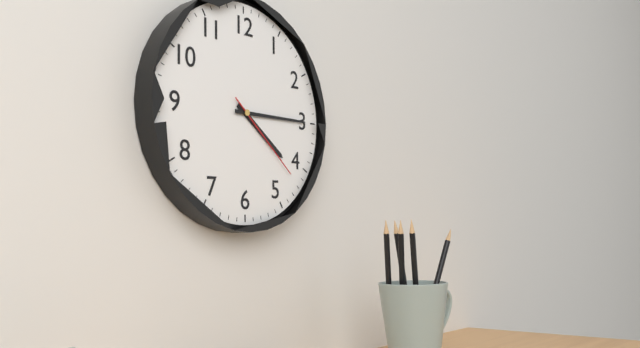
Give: 4h15m22s
